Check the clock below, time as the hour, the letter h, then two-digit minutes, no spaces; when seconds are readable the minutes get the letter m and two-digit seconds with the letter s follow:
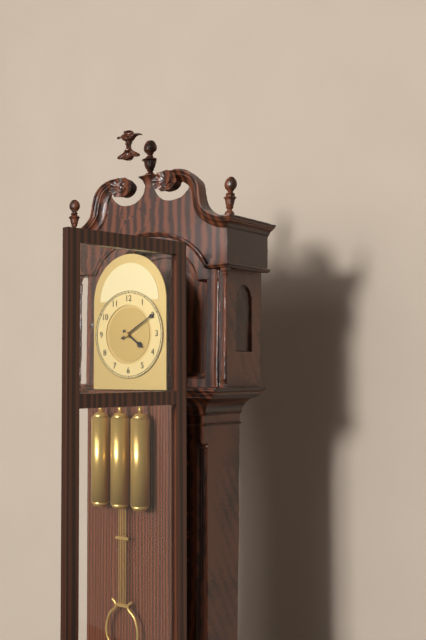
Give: 4h10
